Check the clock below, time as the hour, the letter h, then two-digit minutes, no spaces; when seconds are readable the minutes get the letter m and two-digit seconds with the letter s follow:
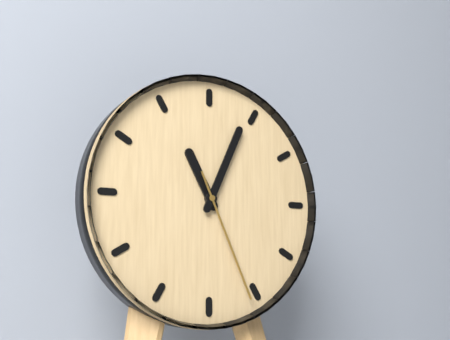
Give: 11h04m26s
